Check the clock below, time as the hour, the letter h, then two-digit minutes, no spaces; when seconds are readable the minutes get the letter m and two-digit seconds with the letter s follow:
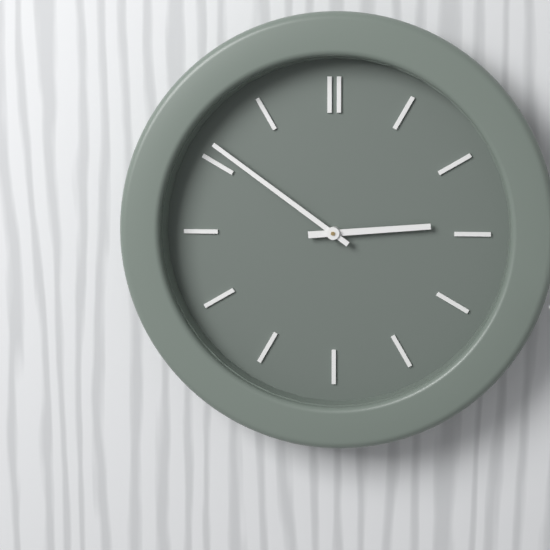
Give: 2h51
